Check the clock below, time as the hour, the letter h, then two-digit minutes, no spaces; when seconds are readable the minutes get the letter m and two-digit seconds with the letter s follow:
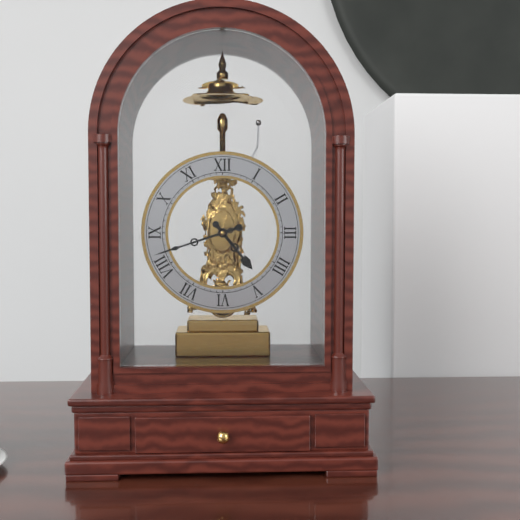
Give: 4h42
